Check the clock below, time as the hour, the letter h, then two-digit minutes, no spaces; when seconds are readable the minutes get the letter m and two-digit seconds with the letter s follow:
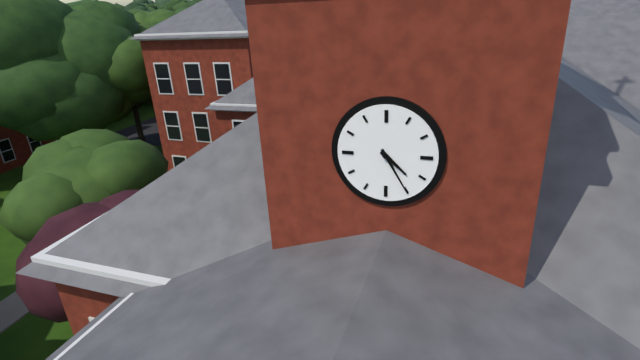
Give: 4h25
